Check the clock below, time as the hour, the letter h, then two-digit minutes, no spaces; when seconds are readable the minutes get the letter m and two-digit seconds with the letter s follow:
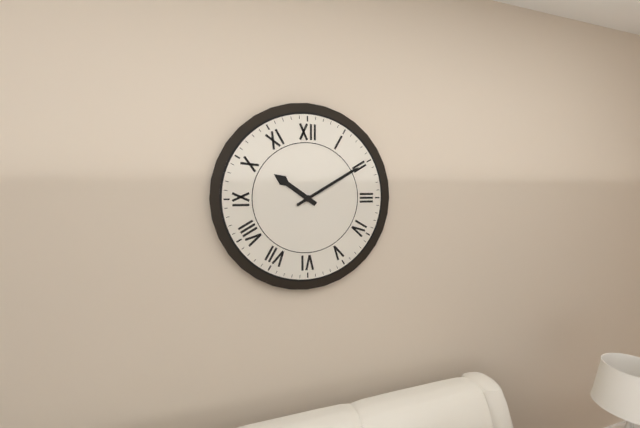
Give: 10h10
